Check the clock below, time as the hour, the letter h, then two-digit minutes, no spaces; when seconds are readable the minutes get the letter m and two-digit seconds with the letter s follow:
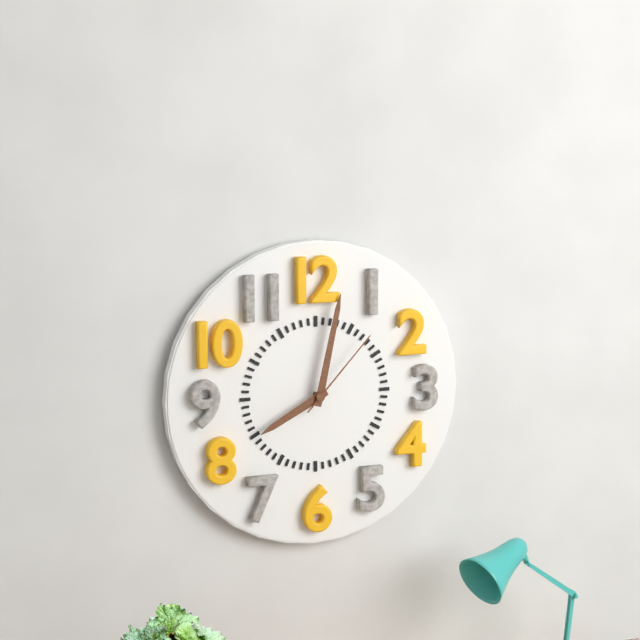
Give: 8h02m07s
